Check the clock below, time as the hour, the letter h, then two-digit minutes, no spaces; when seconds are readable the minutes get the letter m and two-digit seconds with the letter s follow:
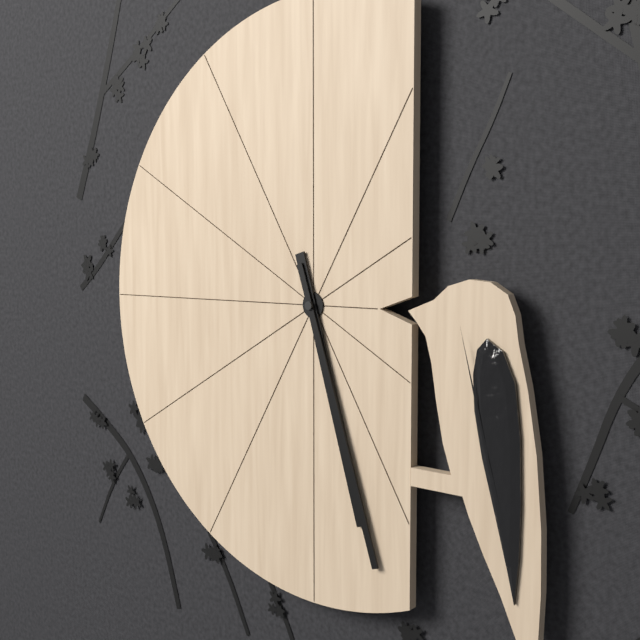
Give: 5h27
